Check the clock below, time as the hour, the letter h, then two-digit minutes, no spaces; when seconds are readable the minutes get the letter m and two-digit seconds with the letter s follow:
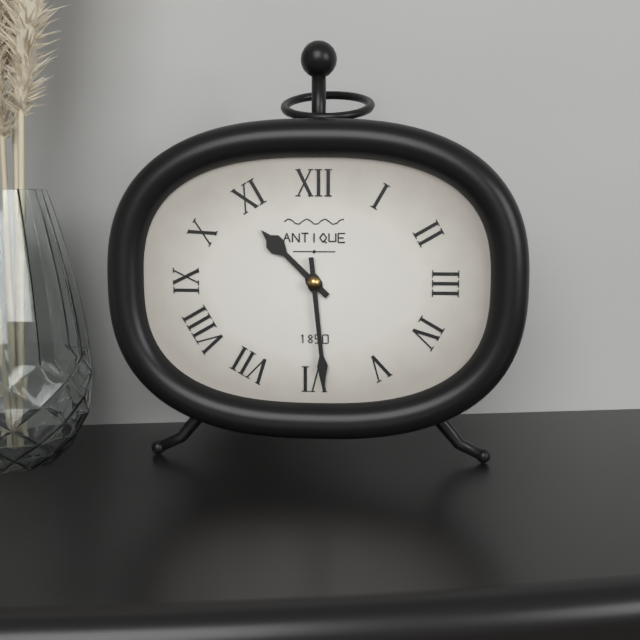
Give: 10h29
